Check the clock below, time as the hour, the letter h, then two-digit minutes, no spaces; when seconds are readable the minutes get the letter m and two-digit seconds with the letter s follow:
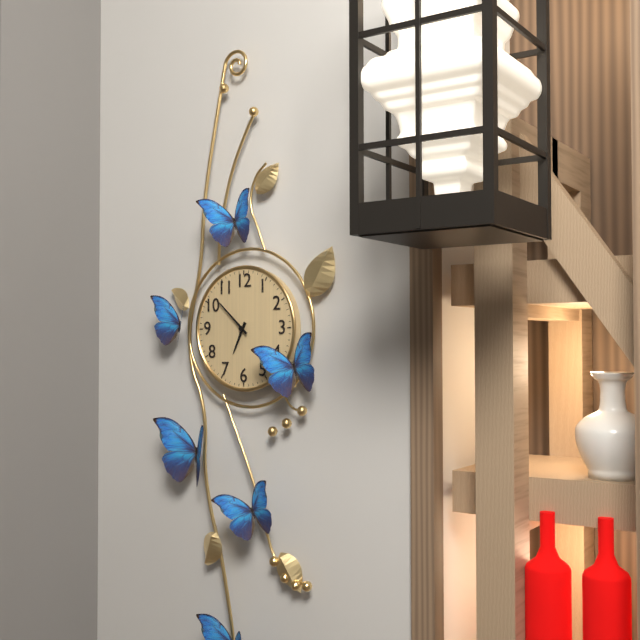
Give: 6h52
